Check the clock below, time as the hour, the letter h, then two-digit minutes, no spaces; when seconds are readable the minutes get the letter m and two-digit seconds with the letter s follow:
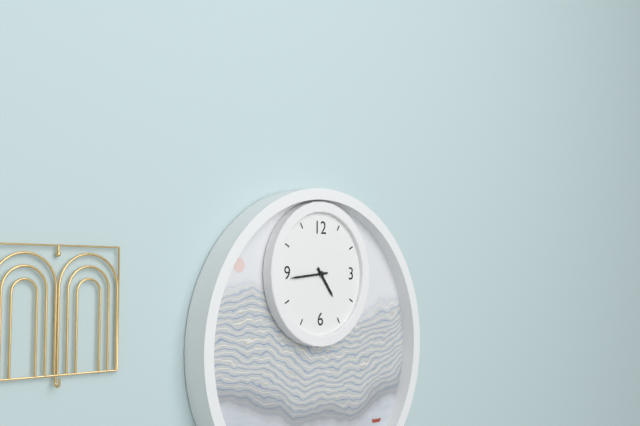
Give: 4h44
